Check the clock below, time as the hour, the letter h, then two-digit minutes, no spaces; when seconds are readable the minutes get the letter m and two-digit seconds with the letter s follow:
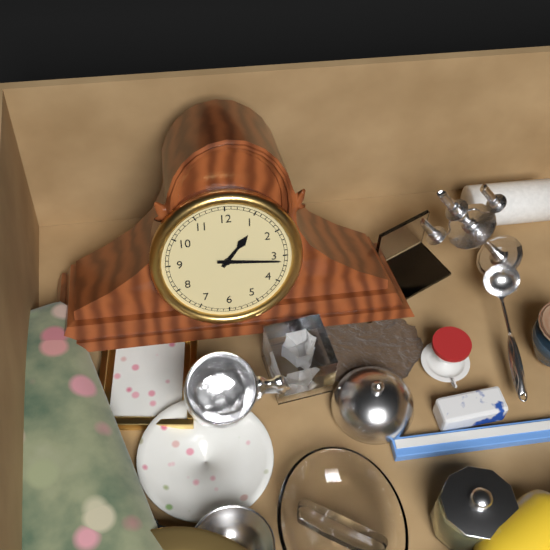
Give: 1h16
